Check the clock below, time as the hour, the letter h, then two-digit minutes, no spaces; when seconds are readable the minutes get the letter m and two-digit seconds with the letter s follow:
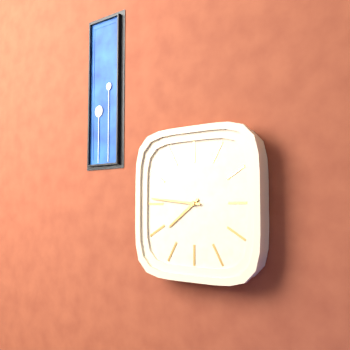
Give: 7h46
